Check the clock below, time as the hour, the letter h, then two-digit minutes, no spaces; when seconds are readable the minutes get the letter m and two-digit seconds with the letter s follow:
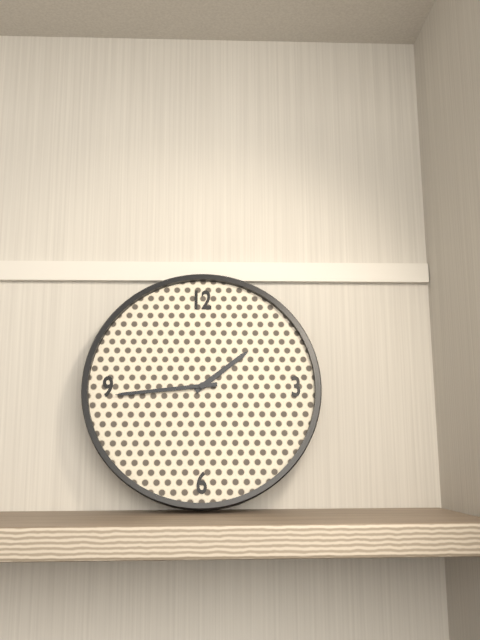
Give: 1h44
